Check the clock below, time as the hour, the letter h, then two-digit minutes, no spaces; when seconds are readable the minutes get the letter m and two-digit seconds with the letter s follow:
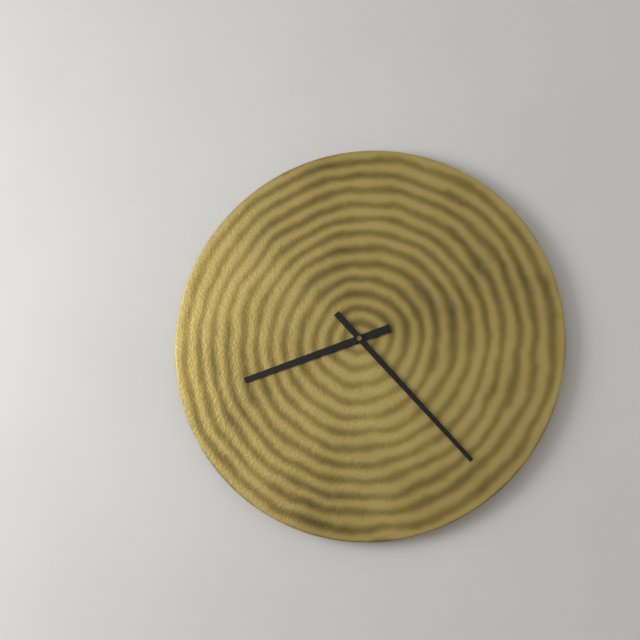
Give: 8h23
